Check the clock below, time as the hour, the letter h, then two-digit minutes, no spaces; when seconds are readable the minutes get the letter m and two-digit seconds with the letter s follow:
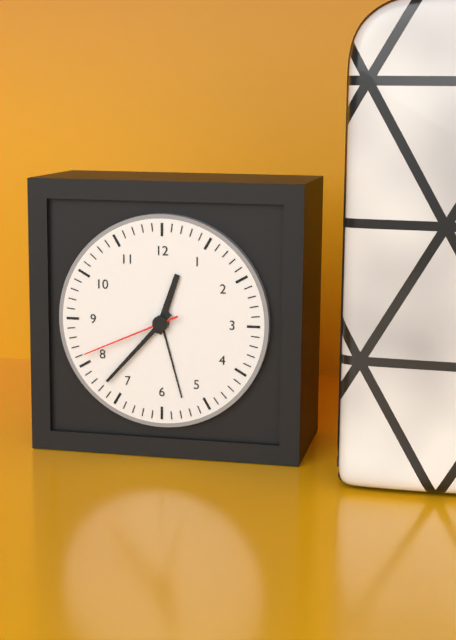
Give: 12h37m41s
